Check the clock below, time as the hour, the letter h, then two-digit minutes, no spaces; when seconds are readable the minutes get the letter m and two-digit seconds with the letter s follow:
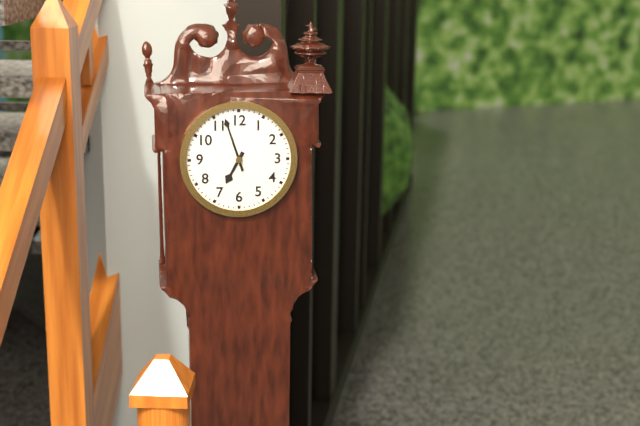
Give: 6h57
